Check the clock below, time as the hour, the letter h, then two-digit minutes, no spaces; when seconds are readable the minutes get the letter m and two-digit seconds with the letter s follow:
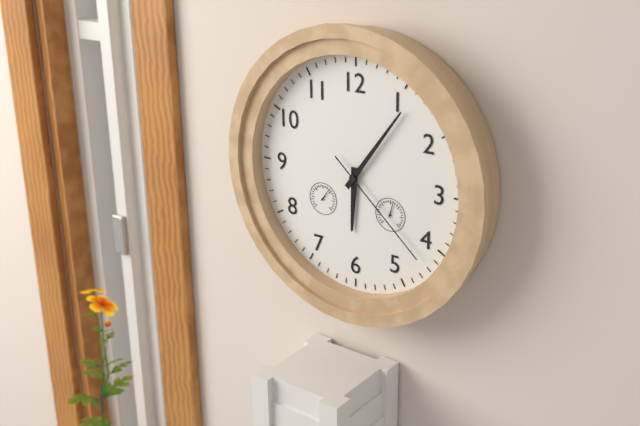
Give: 6h06m22s
